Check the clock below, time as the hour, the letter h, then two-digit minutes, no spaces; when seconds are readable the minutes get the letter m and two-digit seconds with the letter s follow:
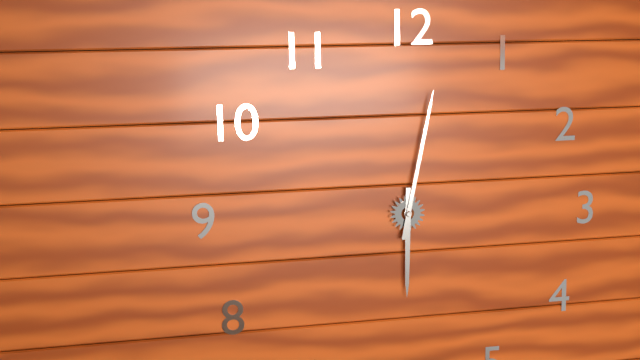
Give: 6h02
